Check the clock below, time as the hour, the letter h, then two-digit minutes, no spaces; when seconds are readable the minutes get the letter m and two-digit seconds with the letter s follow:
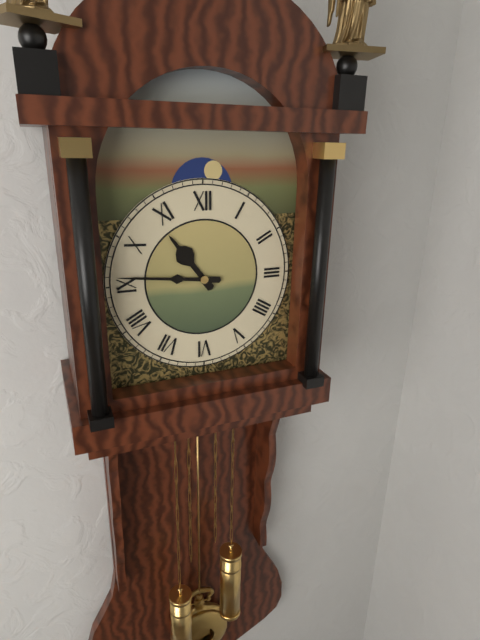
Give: 10h46
